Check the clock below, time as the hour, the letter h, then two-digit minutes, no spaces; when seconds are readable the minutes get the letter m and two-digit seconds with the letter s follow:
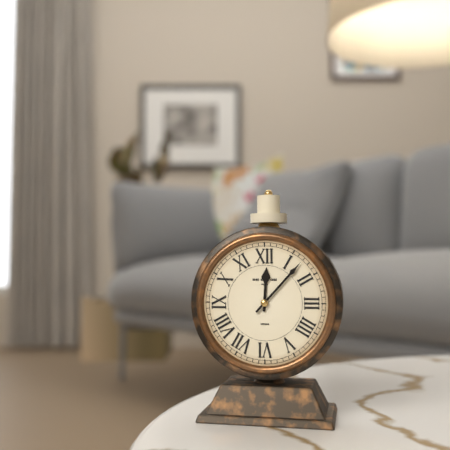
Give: 12h07
